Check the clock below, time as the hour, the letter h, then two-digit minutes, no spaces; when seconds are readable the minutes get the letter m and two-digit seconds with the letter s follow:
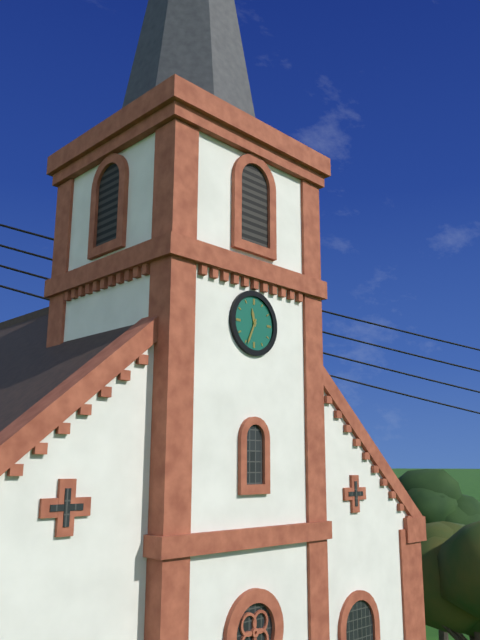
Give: 11h34
